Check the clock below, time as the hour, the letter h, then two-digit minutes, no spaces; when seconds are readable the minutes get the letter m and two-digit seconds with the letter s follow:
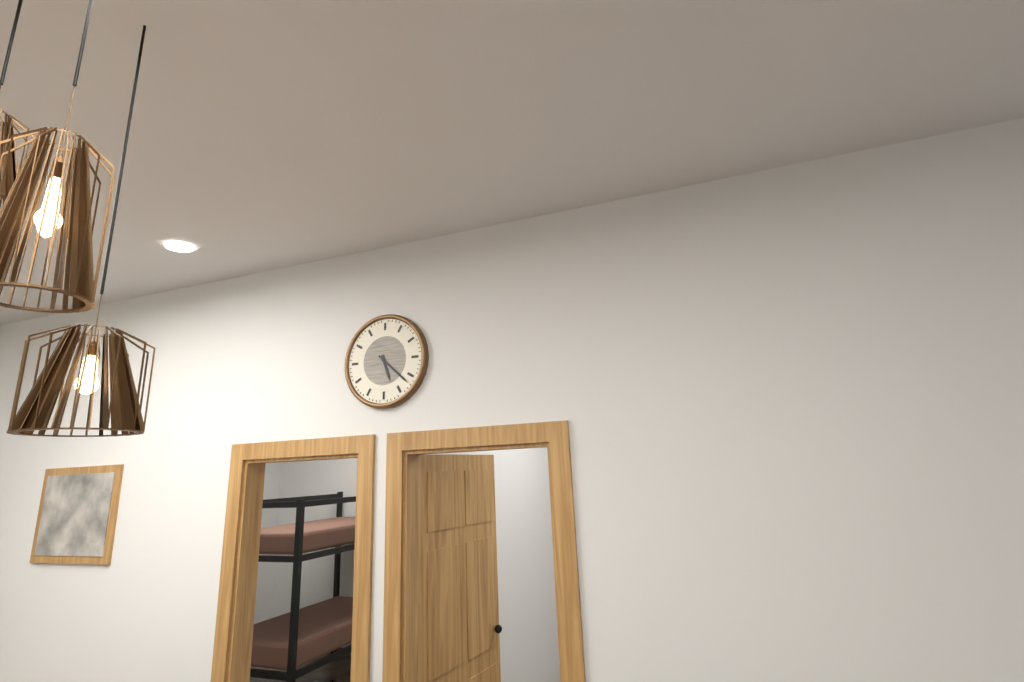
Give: 5h22
